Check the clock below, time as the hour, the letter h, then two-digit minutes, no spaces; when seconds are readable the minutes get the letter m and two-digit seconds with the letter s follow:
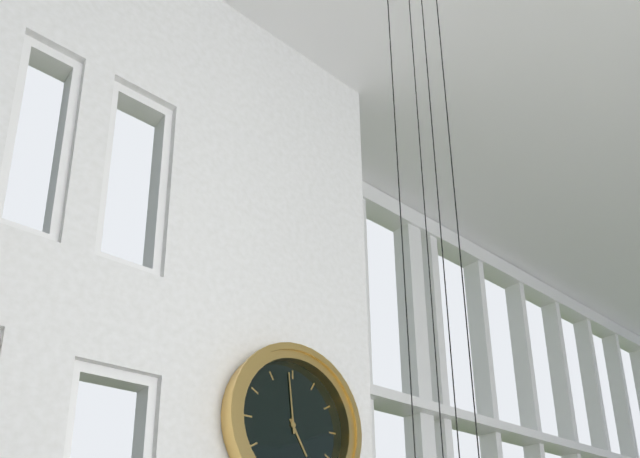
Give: 4h59
